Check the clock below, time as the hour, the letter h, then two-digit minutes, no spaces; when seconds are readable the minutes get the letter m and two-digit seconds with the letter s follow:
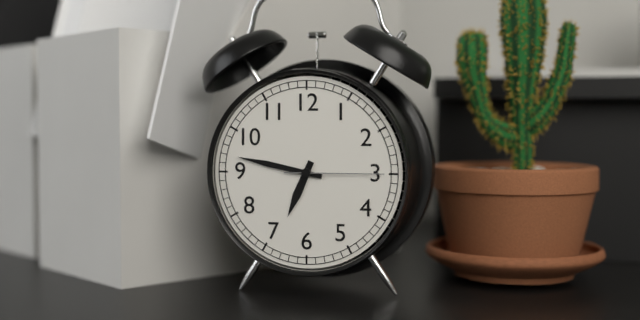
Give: 6h47m15s
